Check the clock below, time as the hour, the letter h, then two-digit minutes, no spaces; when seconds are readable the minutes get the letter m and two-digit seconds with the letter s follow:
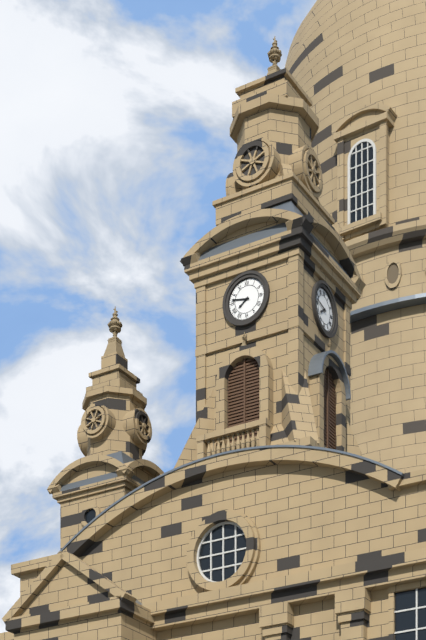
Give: 7h47
